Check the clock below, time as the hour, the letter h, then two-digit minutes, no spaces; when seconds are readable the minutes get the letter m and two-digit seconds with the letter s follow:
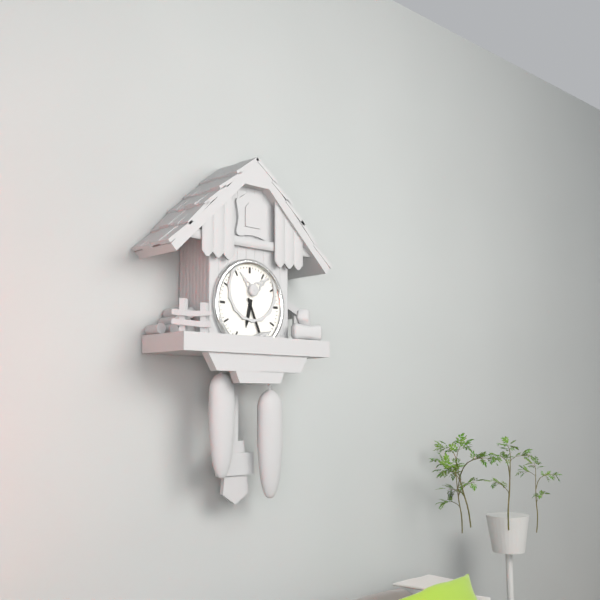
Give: 6h26
